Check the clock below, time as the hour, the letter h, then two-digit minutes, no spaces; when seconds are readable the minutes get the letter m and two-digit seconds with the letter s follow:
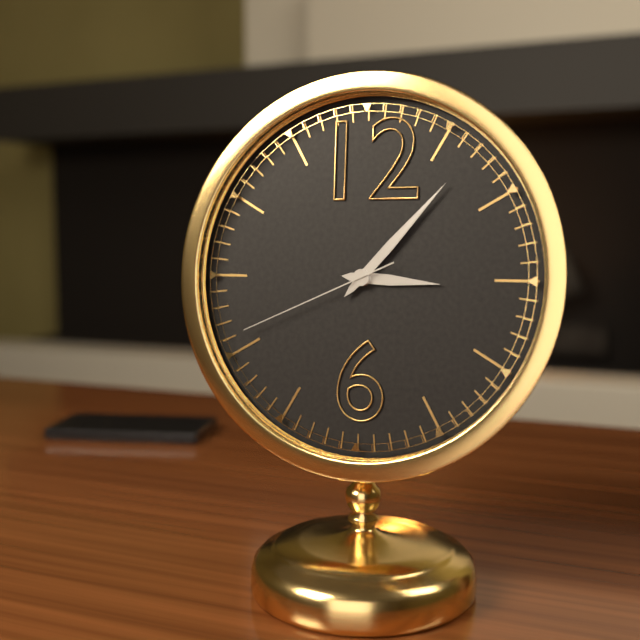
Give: 3h07m41s
